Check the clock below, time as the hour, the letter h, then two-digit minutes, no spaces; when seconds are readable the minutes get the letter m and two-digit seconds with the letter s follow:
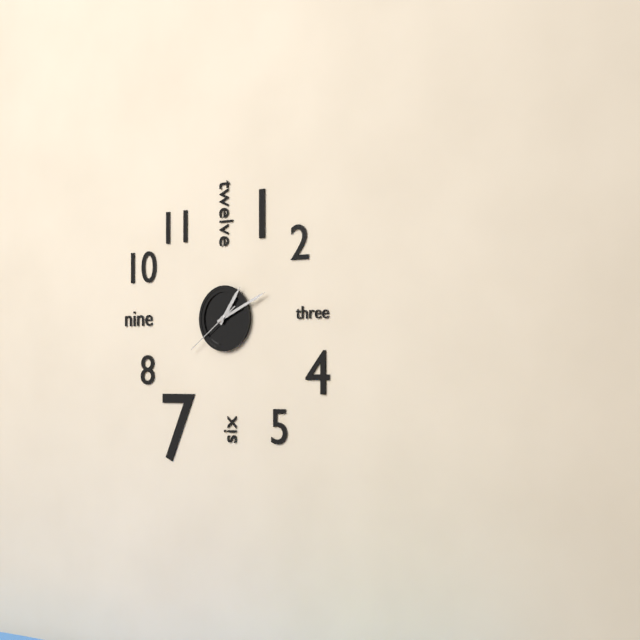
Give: 1h11m39s
